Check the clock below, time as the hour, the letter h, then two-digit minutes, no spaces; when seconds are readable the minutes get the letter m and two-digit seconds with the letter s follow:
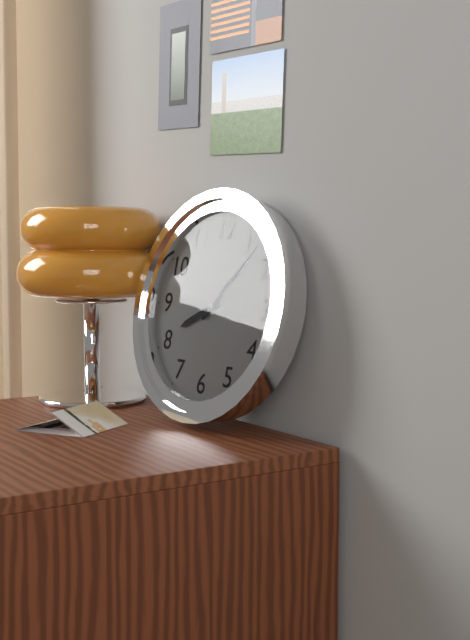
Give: 8h07
